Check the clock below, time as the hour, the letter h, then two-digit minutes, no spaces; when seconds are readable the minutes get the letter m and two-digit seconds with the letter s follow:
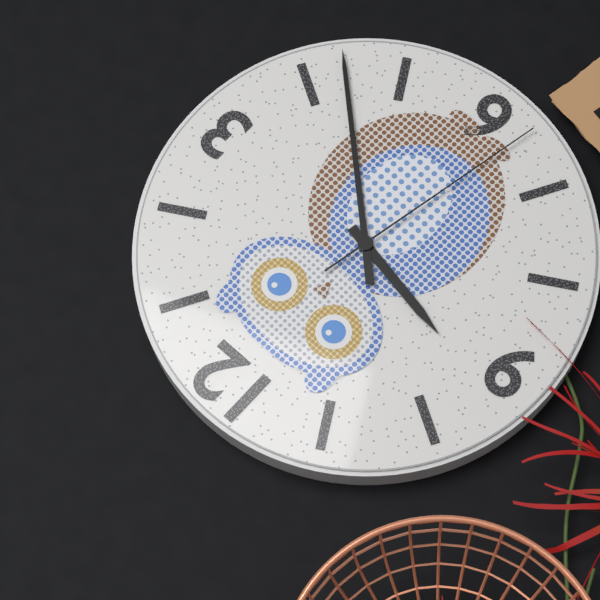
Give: 9h22m32s
